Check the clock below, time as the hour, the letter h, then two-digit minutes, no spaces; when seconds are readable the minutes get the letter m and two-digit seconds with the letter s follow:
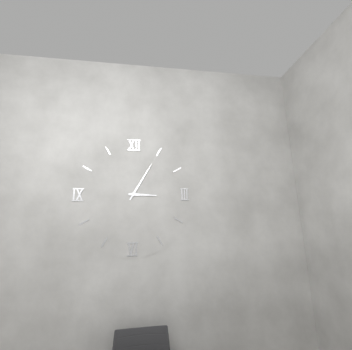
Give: 3h05
